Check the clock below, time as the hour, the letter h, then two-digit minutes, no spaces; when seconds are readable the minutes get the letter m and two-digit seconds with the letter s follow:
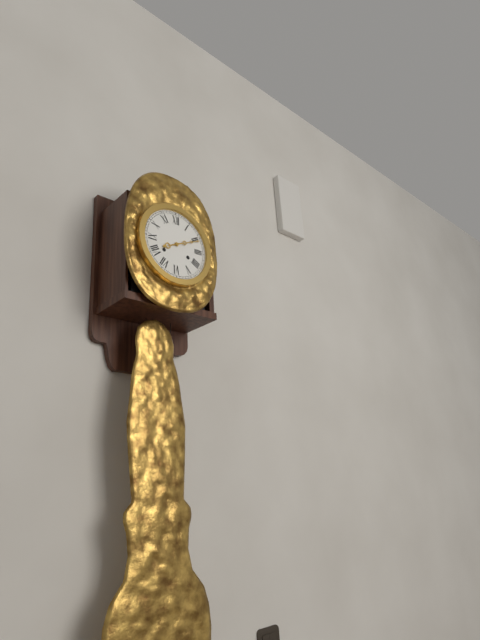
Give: 8h11
